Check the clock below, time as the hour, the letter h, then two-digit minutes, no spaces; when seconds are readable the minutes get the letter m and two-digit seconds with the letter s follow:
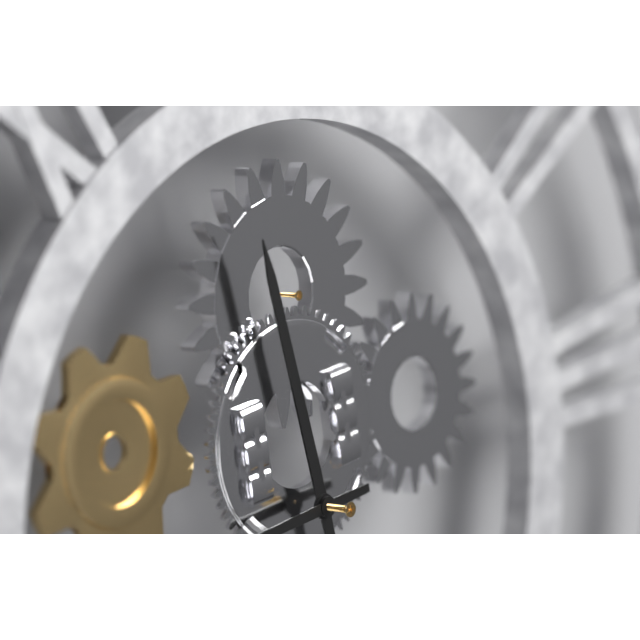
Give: 11h45
